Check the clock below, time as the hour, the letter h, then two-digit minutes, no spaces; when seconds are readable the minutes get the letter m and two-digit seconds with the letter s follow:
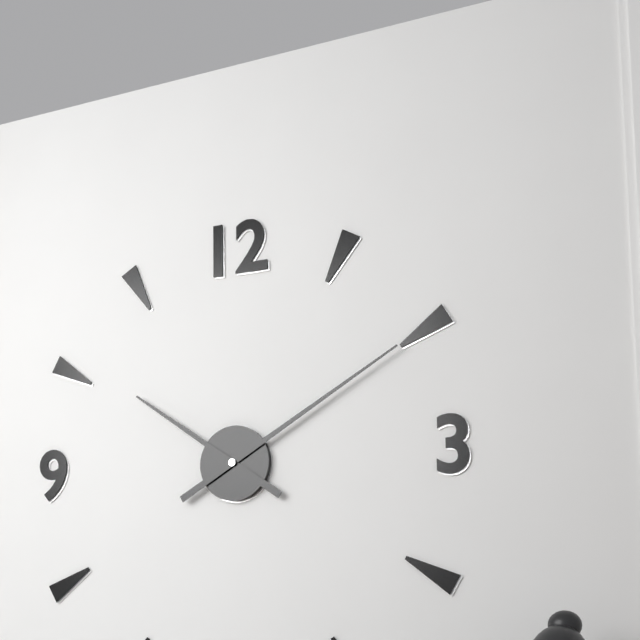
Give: 10h10
